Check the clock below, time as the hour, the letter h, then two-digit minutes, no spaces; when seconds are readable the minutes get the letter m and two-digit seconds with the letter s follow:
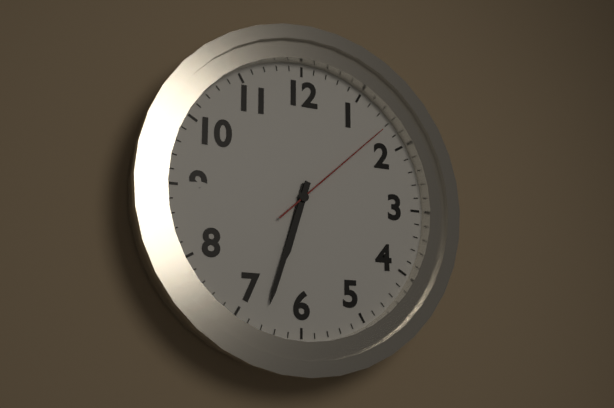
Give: 6h33m08s
